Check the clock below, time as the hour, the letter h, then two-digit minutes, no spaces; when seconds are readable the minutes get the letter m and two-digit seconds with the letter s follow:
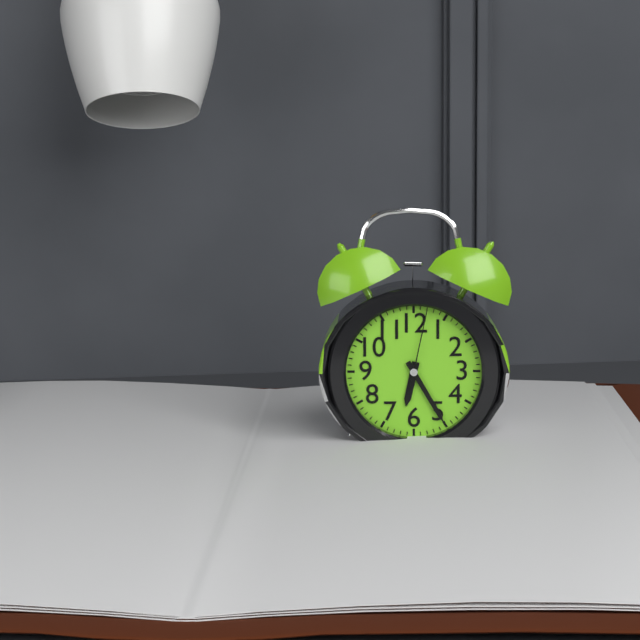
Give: 6h25m02s
